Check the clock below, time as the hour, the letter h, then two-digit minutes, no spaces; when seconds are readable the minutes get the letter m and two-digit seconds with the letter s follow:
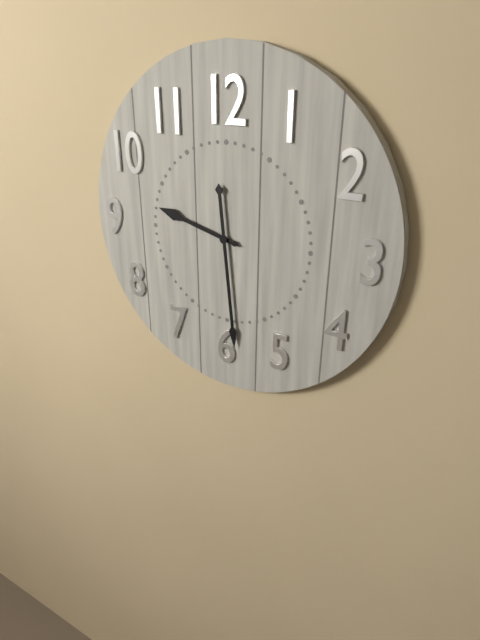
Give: 9h29
